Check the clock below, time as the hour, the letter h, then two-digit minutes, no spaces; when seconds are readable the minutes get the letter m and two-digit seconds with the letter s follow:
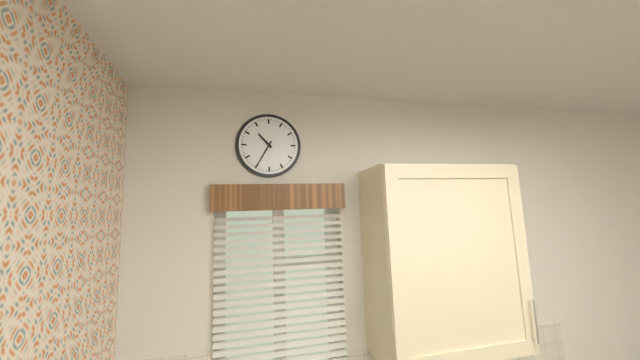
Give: 10h35
